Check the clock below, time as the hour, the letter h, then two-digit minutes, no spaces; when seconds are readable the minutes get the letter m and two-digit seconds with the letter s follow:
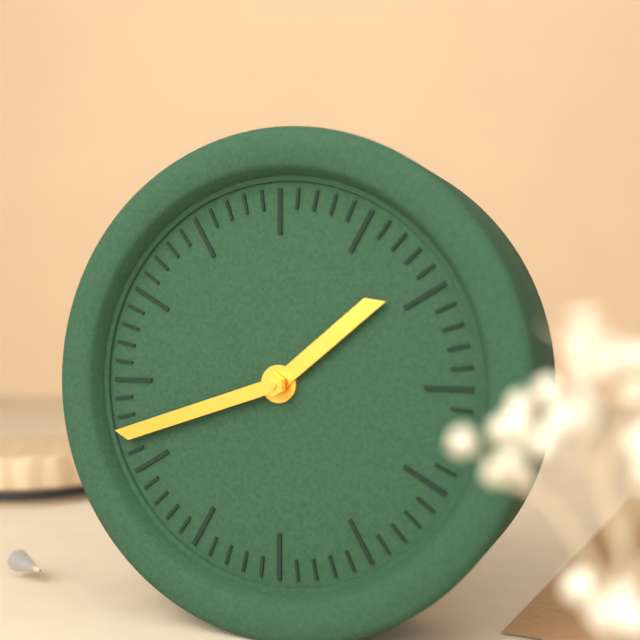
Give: 1h42
